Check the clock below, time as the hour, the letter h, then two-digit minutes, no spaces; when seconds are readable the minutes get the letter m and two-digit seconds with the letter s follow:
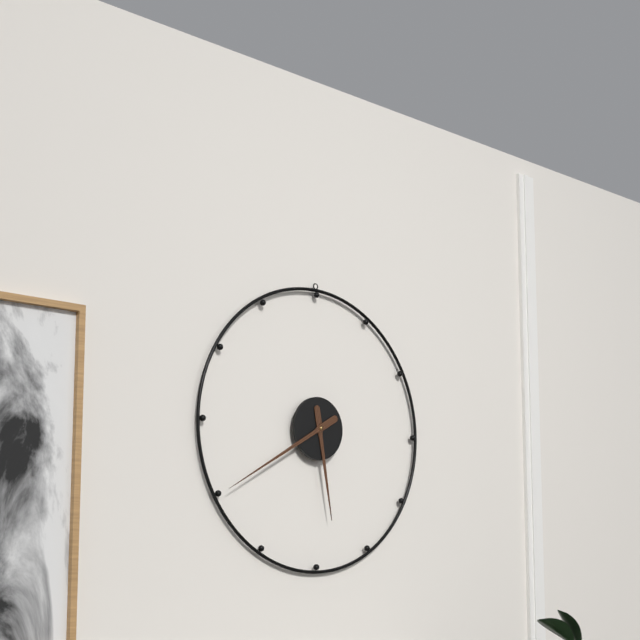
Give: 5h40
